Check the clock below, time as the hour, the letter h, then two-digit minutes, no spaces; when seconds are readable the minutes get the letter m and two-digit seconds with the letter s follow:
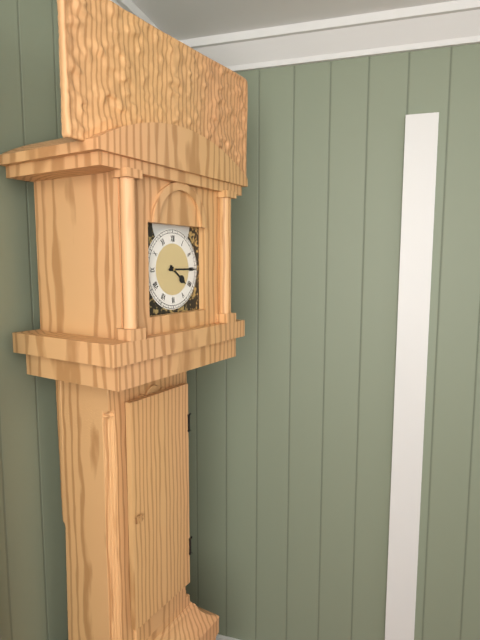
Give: 4h15
